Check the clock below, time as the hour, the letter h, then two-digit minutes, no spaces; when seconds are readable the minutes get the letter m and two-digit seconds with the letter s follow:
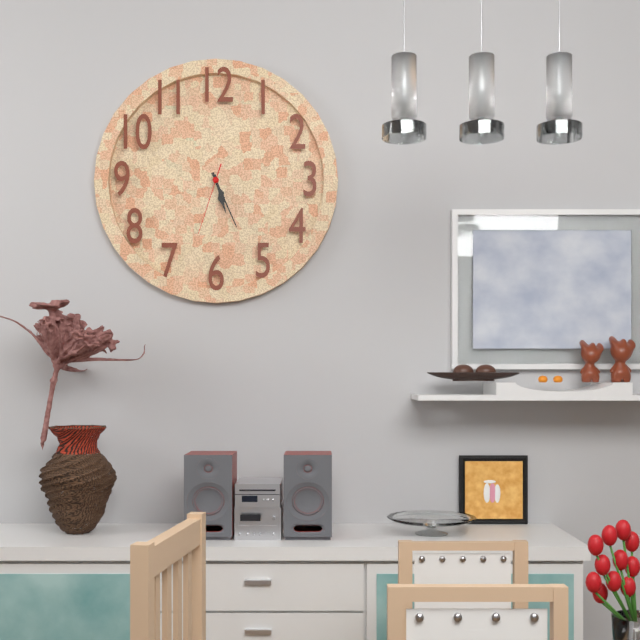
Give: 5h26m33s
